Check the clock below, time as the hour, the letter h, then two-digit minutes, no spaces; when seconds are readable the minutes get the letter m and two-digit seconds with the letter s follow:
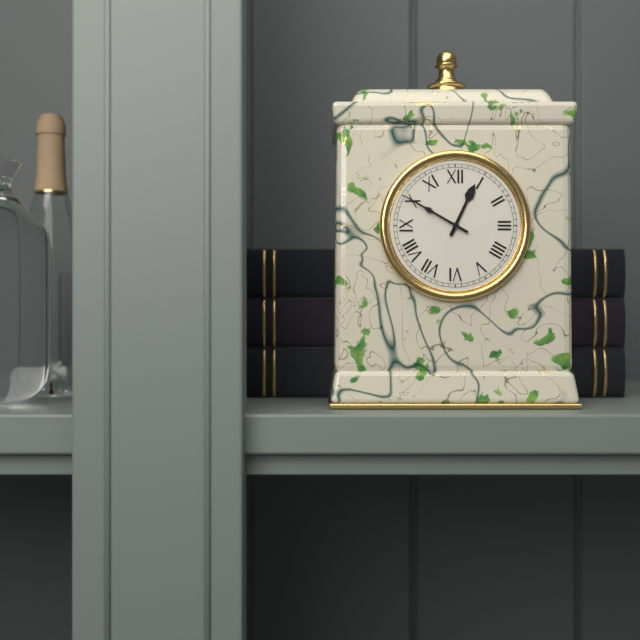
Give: 12h50
